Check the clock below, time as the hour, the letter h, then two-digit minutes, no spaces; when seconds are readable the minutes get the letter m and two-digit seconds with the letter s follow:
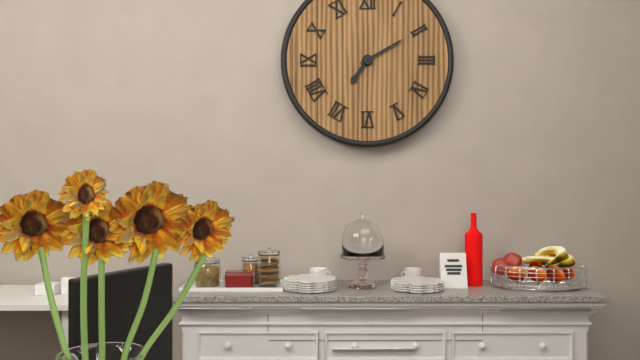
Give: 7h10
